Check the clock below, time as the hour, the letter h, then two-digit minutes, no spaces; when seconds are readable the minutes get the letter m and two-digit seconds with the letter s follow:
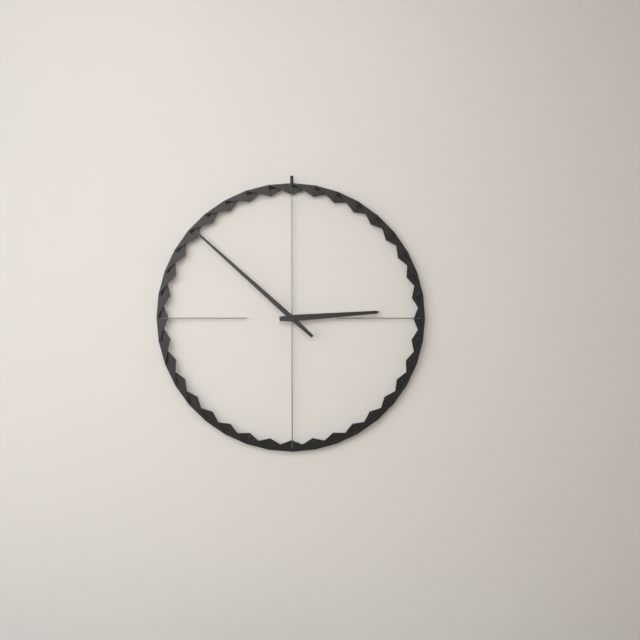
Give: 2h52
